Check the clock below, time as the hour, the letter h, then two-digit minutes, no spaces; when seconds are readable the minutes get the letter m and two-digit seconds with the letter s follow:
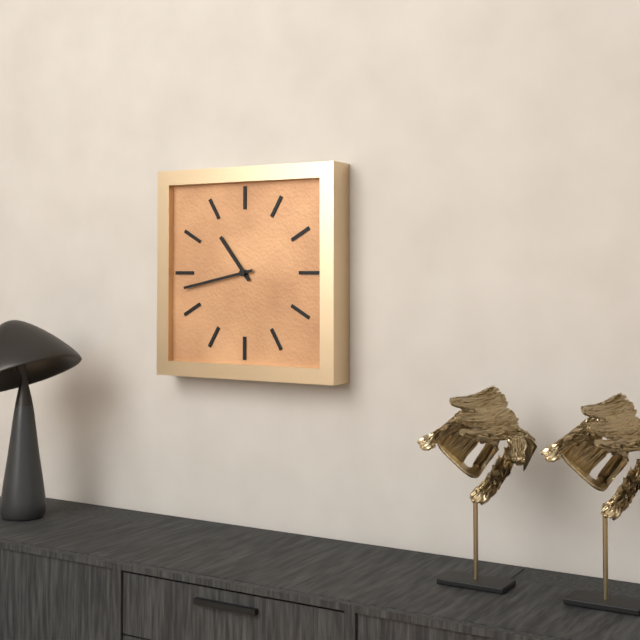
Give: 10h43
